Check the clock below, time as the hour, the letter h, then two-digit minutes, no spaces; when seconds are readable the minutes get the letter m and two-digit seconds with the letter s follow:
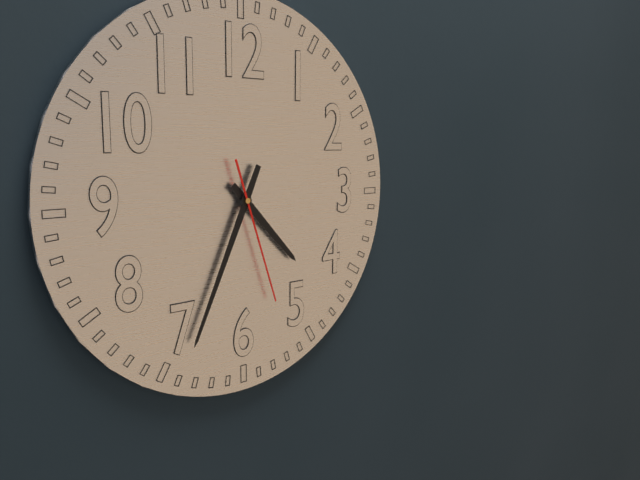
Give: 4h34m27s
